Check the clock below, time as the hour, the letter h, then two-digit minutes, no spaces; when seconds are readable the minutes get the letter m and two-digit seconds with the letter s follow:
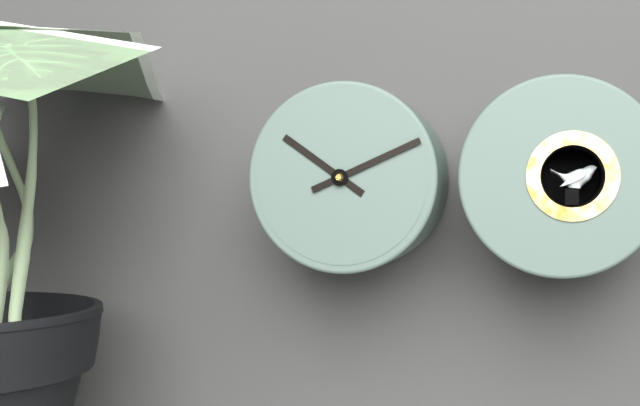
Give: 10h11
